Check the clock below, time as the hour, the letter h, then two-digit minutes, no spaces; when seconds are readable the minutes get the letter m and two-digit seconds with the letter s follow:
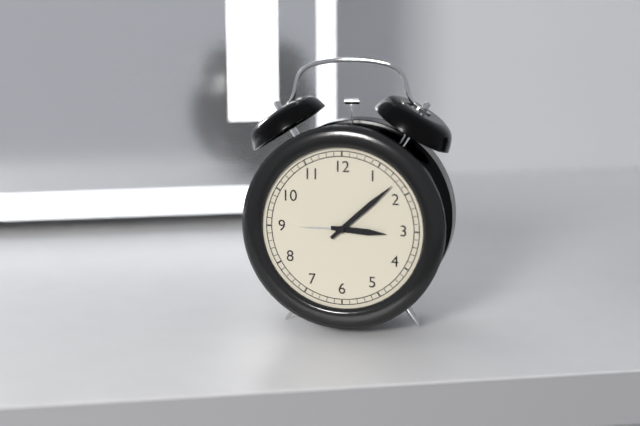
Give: 3h08
